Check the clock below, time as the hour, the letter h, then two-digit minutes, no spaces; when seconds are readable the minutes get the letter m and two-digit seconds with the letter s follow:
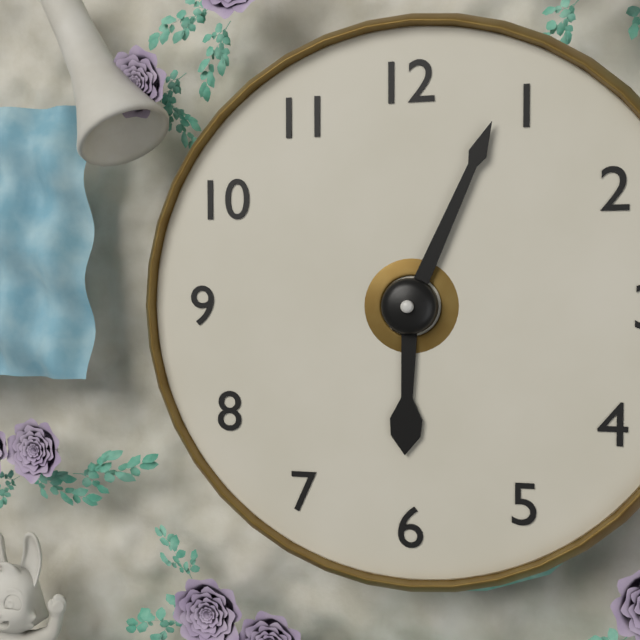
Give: 6h04
